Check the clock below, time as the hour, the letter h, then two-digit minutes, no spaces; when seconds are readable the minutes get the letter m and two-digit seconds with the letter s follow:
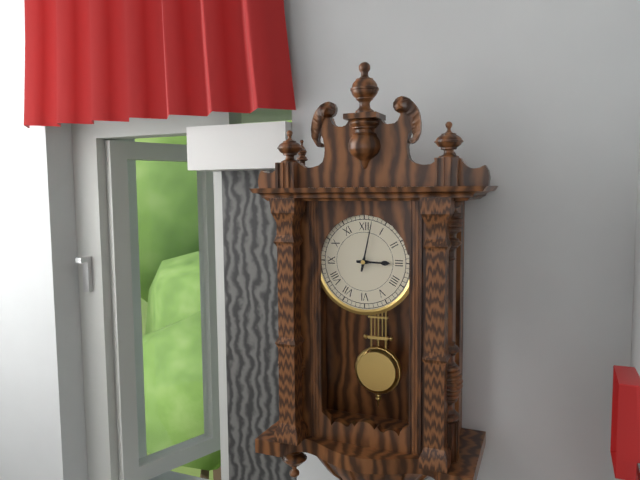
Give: 3h02
